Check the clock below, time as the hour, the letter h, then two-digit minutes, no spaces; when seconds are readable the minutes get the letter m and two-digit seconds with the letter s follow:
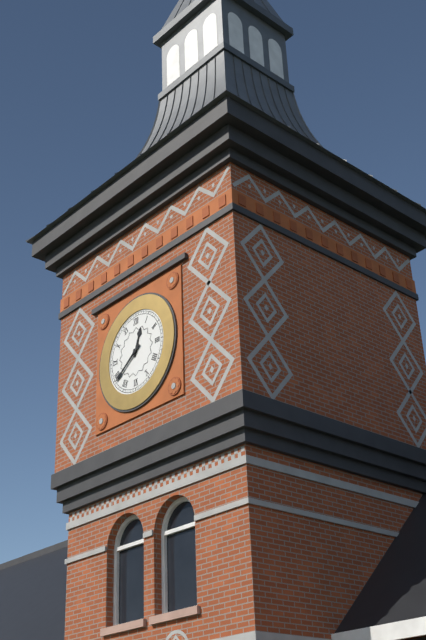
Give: 12h39
